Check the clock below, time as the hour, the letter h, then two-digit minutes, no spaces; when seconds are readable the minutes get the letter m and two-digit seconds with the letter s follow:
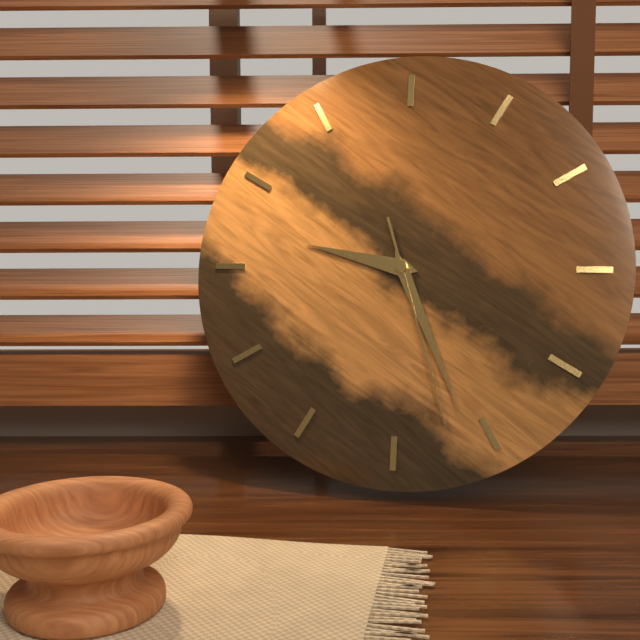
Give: 9h26m27s
